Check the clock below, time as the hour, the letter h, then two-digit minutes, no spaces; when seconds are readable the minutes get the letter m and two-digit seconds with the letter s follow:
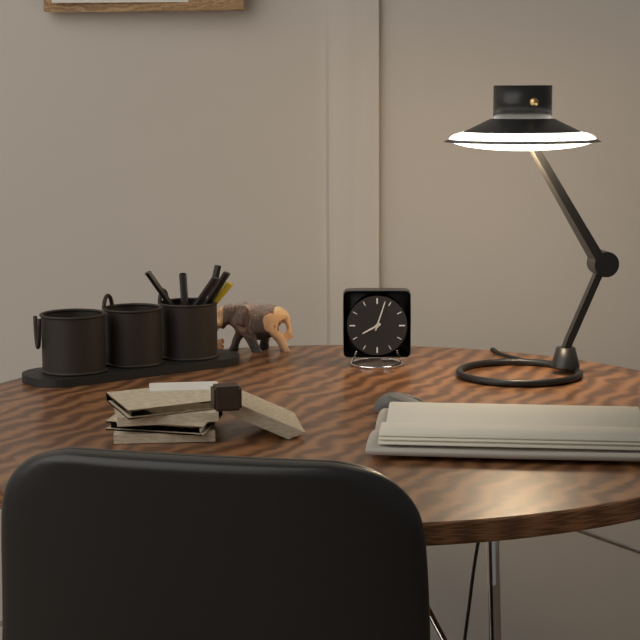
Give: 8h03
